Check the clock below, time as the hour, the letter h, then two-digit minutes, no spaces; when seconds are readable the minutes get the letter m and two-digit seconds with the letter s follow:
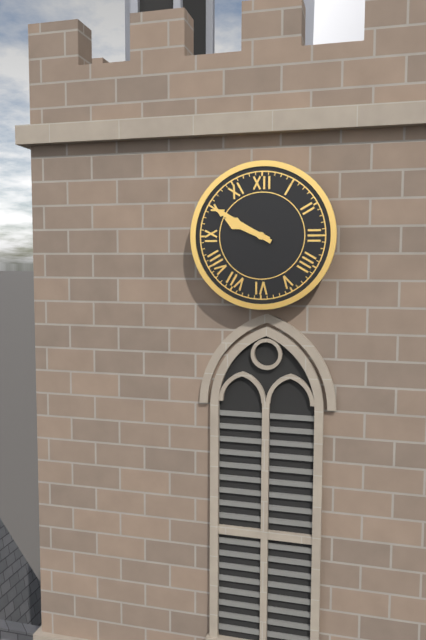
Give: 9h50
